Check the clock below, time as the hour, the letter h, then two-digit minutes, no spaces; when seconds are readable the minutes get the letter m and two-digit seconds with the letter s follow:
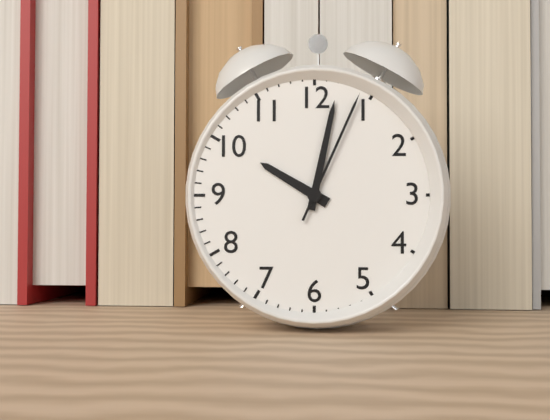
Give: 10h02m04s
